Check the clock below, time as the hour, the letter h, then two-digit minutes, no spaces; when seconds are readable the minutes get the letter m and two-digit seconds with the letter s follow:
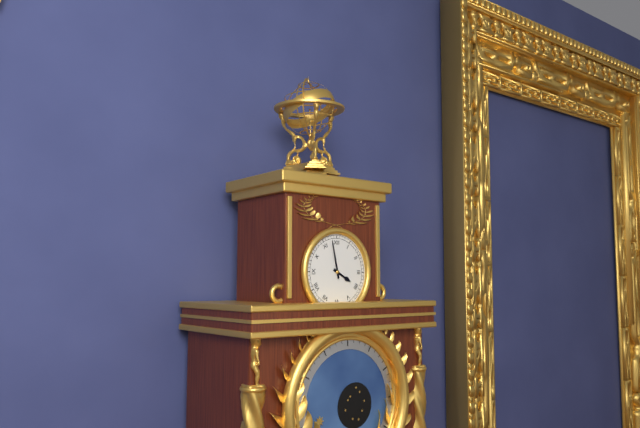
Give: 3h58
